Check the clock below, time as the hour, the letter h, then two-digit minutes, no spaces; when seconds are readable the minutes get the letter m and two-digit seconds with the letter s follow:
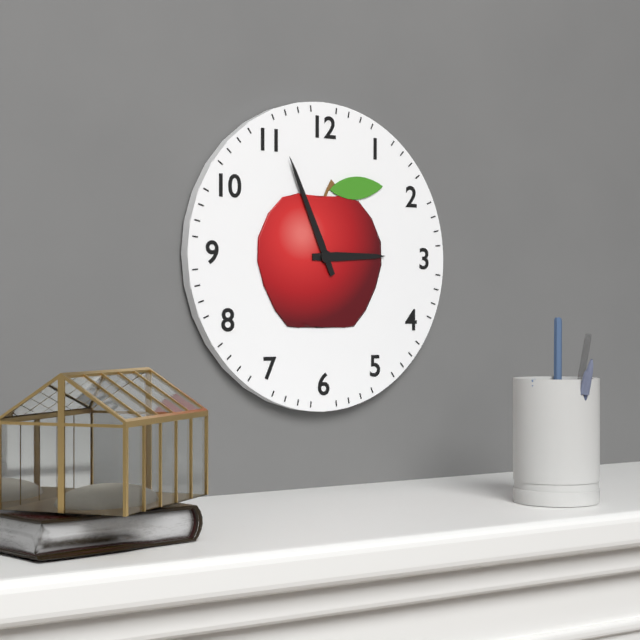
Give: 2h56
